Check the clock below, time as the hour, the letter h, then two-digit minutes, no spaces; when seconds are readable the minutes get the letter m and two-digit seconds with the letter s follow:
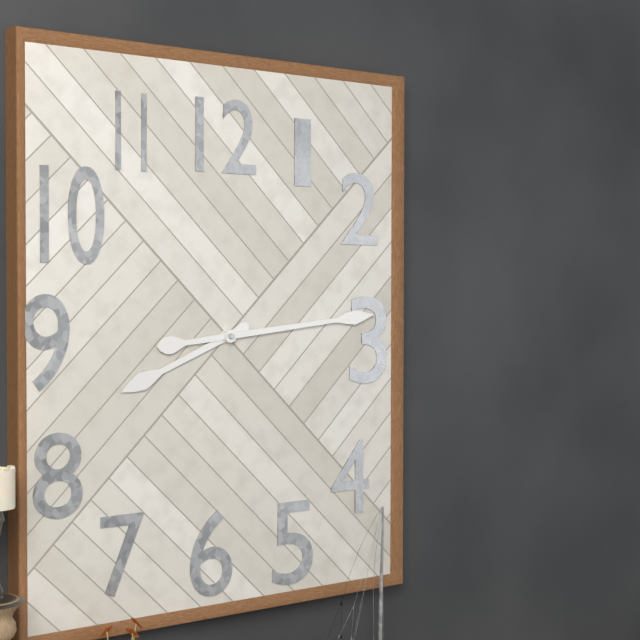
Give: 8h14
